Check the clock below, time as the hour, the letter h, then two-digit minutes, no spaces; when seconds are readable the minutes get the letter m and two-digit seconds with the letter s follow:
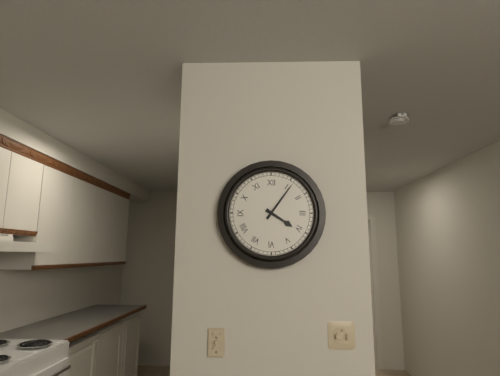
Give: 4h06
